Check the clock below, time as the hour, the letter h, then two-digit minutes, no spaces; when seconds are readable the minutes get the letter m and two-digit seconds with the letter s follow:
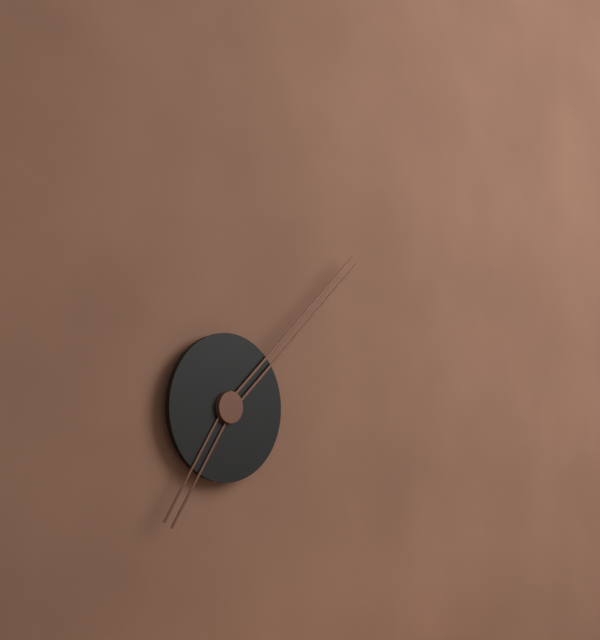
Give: 7h08
